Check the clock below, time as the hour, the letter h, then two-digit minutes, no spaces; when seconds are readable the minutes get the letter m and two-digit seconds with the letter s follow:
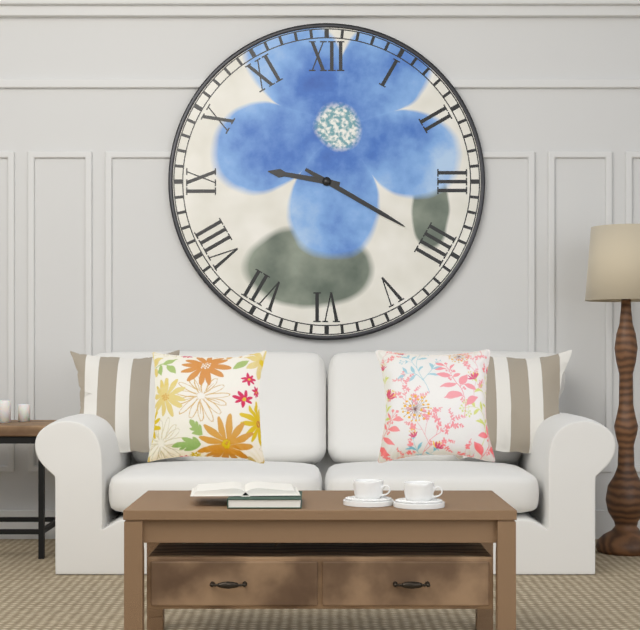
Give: 9h20
